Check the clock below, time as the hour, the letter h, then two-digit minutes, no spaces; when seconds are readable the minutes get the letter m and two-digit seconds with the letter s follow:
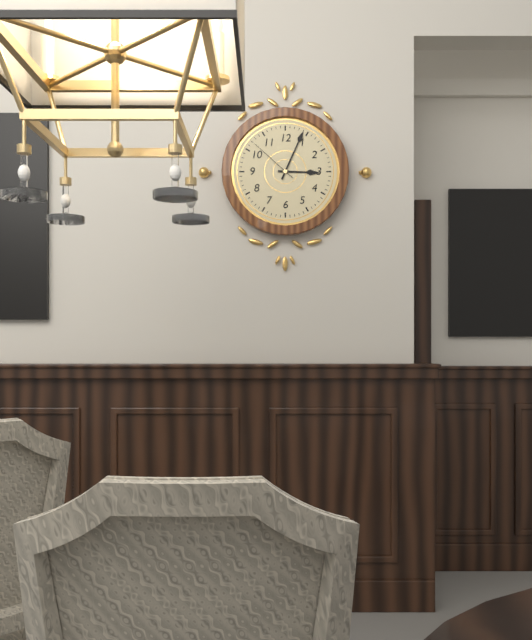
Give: 3h04m52s
